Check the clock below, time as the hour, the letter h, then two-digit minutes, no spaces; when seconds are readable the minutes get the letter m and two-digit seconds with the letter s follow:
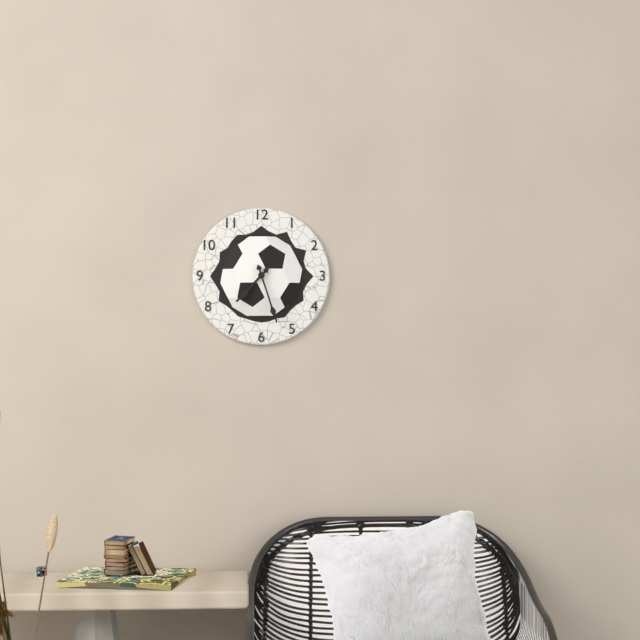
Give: 7h27
